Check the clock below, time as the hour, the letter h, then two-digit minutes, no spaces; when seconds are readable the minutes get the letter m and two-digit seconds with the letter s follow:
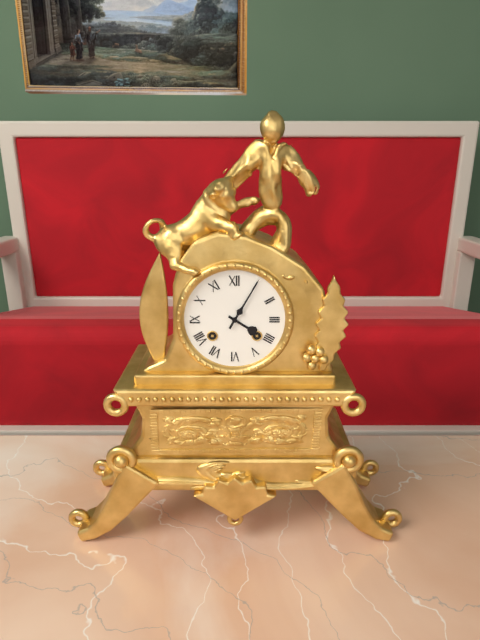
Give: 4h05
